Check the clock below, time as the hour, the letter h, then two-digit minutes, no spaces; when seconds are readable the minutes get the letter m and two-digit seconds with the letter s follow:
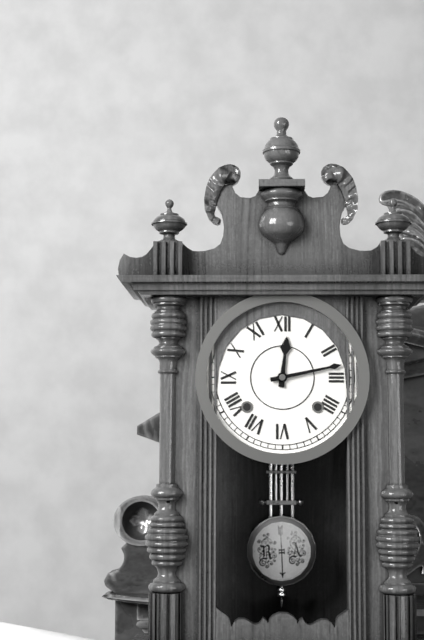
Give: 12h13
